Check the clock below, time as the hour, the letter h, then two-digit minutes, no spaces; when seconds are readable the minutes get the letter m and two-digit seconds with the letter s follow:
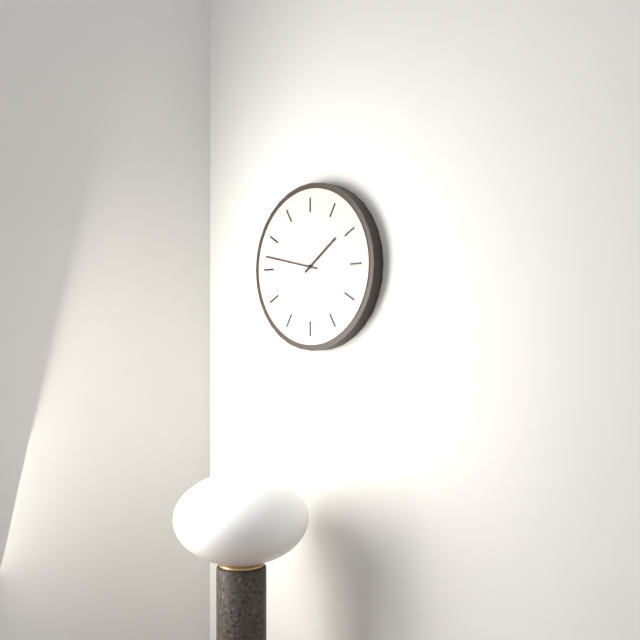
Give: 1h47
